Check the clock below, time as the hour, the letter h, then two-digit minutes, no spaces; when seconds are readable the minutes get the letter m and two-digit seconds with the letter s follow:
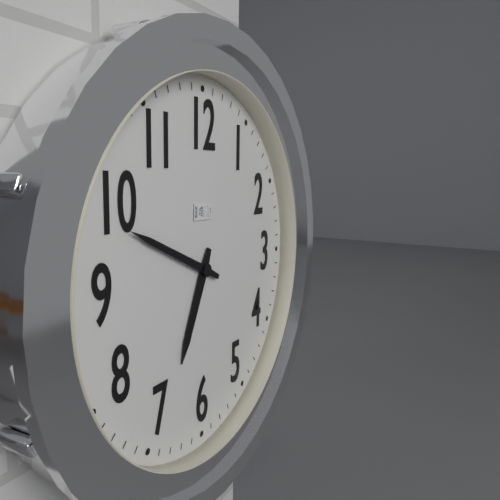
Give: 6h49
